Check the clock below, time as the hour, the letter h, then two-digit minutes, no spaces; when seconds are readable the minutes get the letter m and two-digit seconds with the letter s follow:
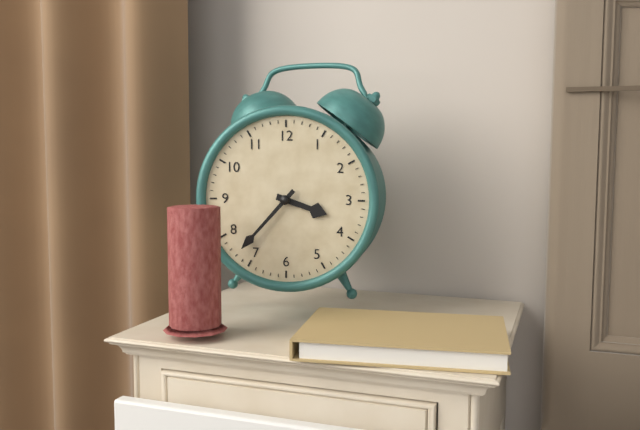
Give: 3h37
